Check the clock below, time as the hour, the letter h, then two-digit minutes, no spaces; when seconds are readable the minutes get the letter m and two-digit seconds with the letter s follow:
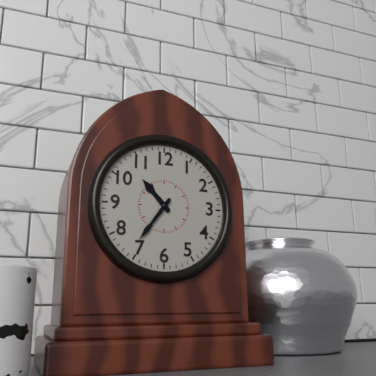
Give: 10h36
